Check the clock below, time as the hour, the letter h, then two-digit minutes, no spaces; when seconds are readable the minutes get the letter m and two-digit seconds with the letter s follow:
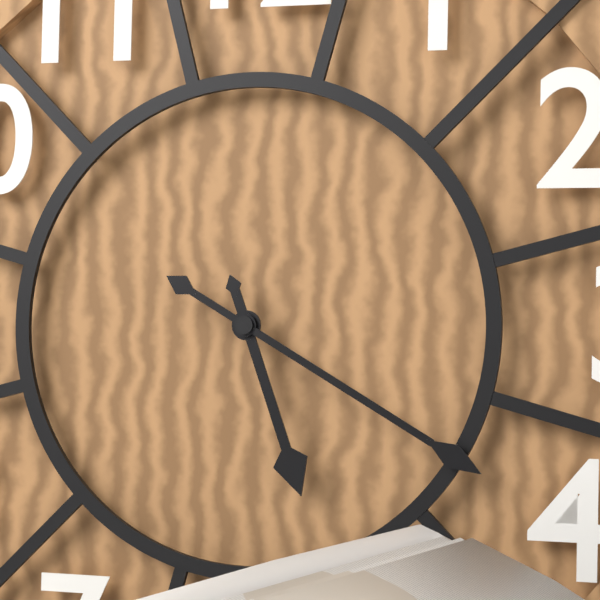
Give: 5h20
